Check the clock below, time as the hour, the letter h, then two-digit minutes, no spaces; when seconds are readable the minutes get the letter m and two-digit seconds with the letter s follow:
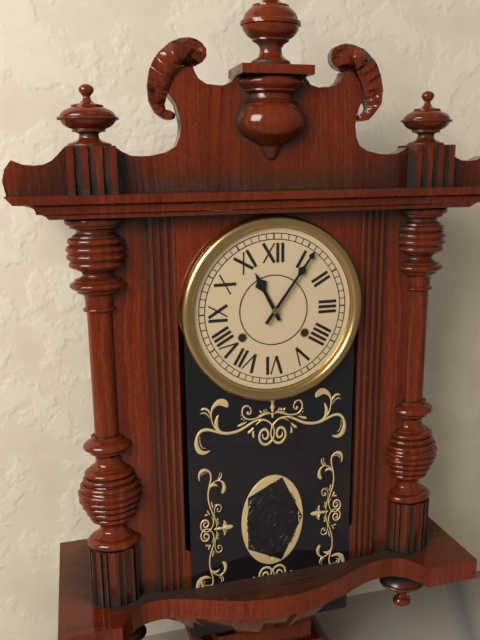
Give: 11h06
